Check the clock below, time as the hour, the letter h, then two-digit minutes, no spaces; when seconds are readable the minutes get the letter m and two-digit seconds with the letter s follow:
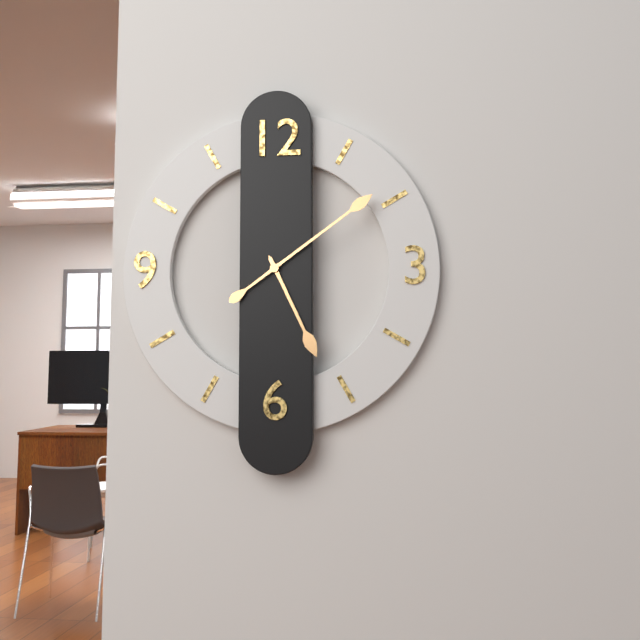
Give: 5h09
